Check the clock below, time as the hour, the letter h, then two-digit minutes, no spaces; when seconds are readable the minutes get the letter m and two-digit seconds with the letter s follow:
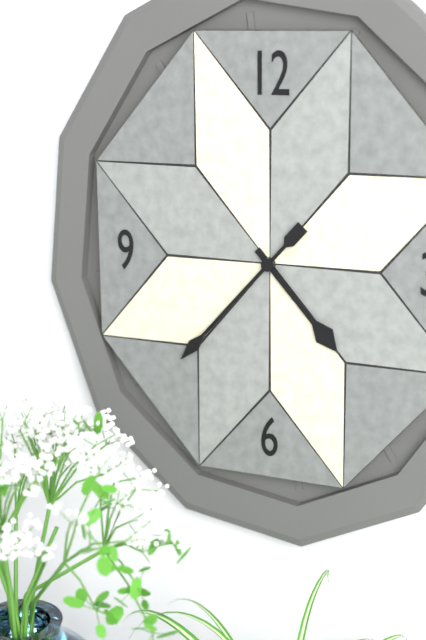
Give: 4h37
